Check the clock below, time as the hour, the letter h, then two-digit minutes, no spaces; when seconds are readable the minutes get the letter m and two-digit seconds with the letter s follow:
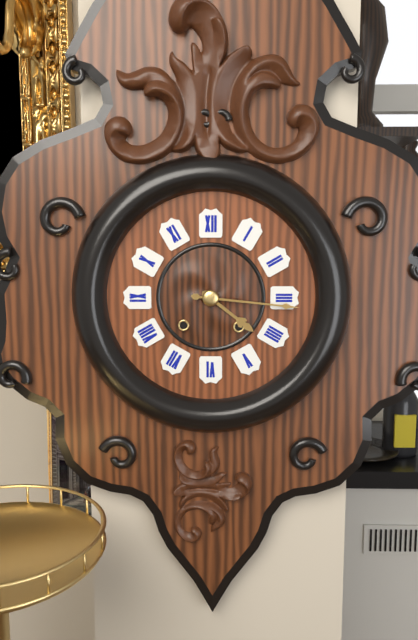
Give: 4h16
